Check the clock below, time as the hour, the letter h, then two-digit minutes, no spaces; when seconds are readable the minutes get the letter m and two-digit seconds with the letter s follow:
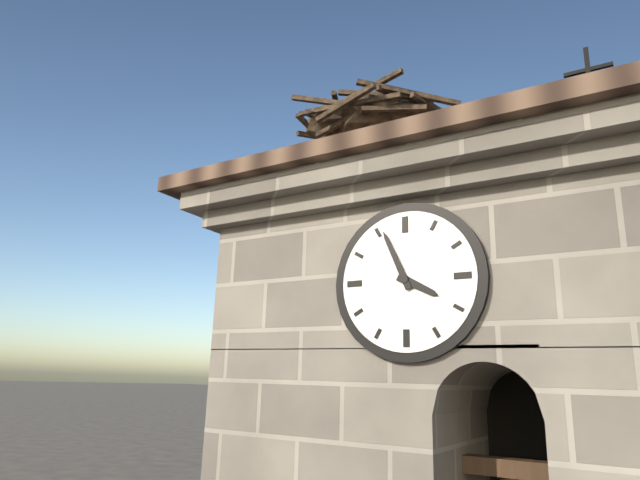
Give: 3h56
